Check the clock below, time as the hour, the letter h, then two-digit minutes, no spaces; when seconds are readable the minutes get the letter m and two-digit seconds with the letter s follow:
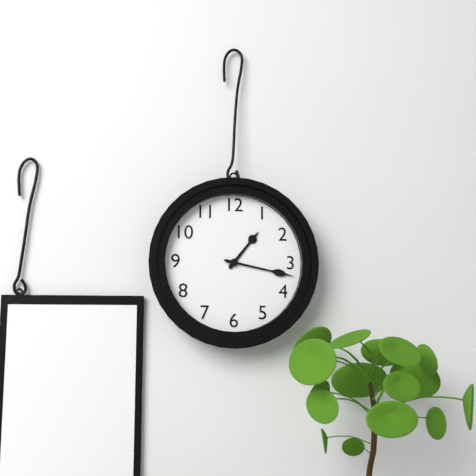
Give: 1h17
